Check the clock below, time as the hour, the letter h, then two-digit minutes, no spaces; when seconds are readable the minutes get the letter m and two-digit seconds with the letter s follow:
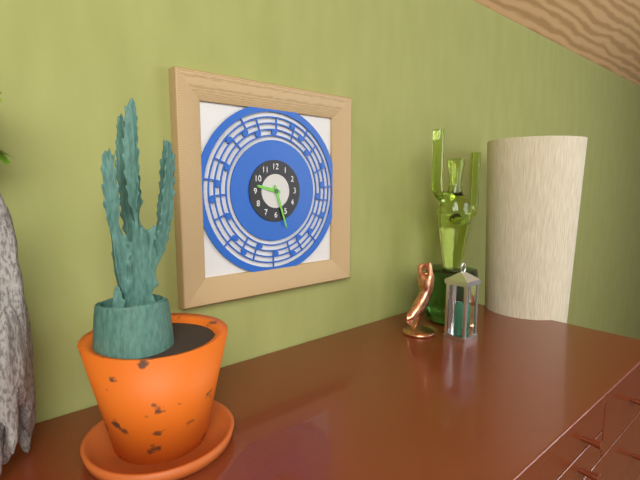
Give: 9h27
